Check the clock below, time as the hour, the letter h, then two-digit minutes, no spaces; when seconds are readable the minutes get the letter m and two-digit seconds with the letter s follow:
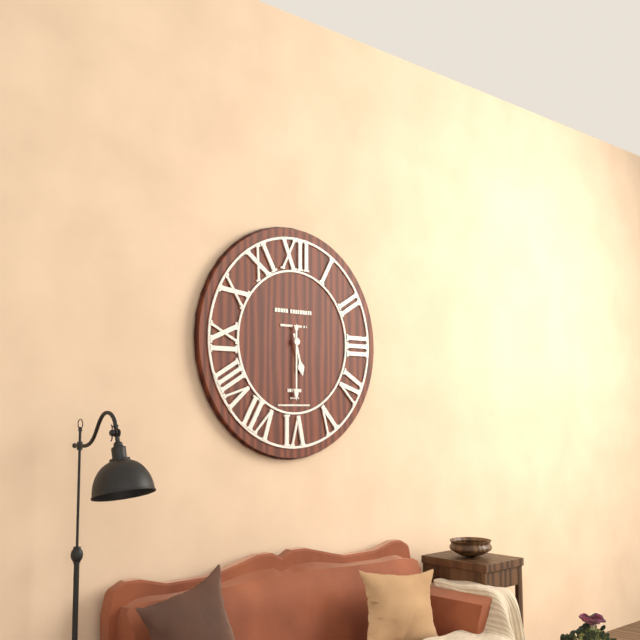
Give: 5h30
